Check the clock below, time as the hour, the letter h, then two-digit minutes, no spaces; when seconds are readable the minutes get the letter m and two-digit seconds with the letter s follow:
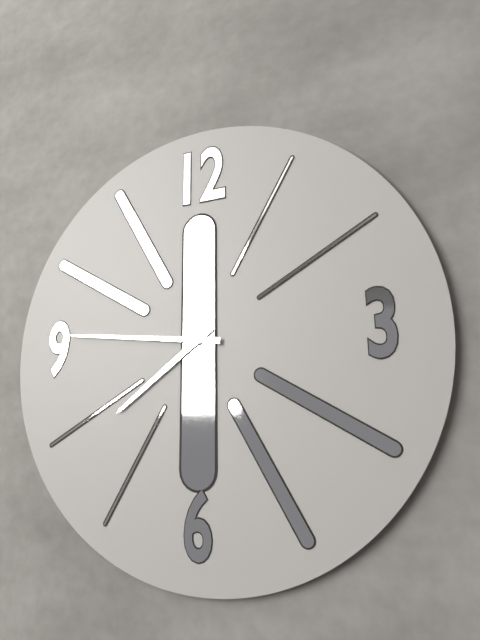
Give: 7h46
